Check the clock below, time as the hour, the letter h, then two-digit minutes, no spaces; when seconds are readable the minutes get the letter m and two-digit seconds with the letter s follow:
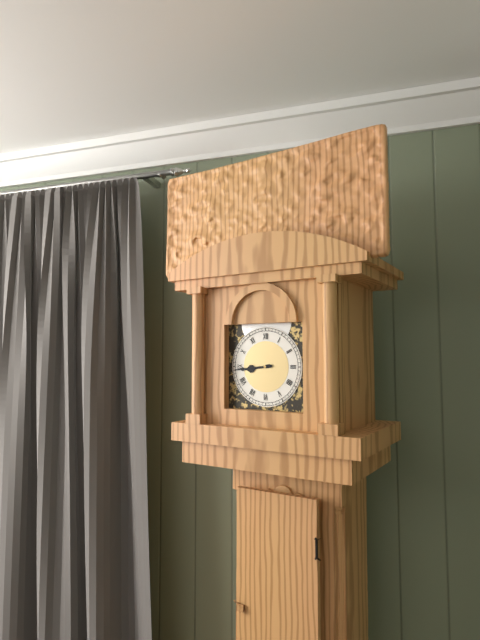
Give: 8h44
